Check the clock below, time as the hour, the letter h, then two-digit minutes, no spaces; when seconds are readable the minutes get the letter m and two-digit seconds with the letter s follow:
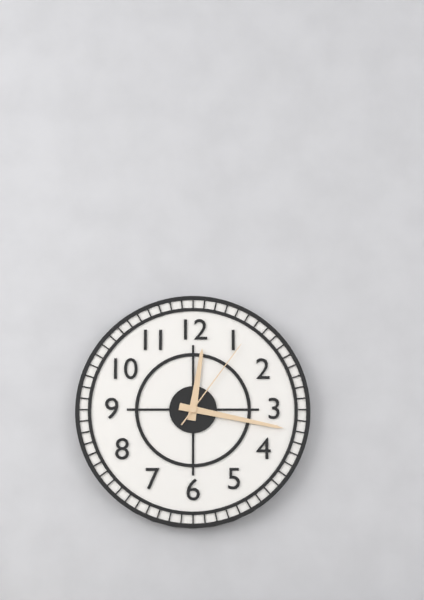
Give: 12h17m06s
